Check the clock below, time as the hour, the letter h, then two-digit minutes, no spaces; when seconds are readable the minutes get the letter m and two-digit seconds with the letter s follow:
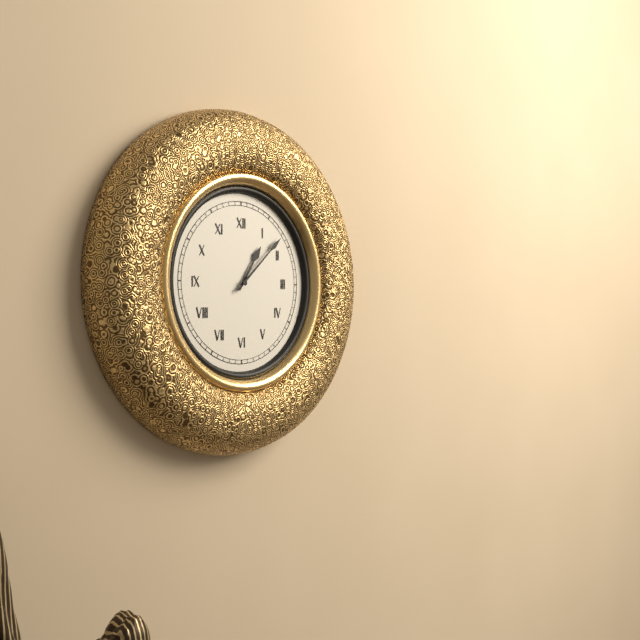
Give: 1h08
